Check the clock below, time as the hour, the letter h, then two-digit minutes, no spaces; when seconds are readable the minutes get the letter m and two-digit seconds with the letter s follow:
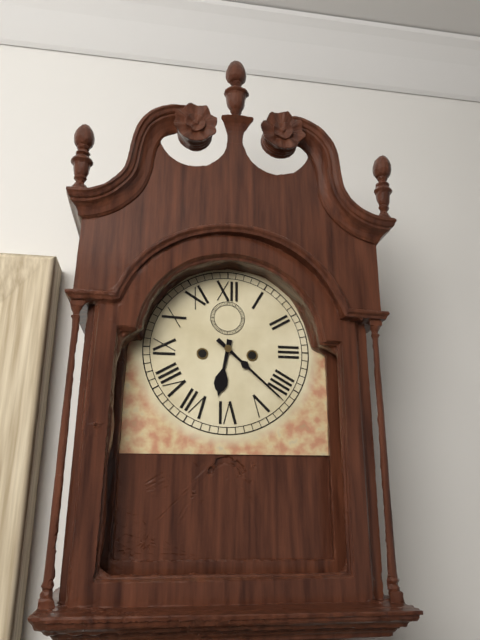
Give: 6h22
